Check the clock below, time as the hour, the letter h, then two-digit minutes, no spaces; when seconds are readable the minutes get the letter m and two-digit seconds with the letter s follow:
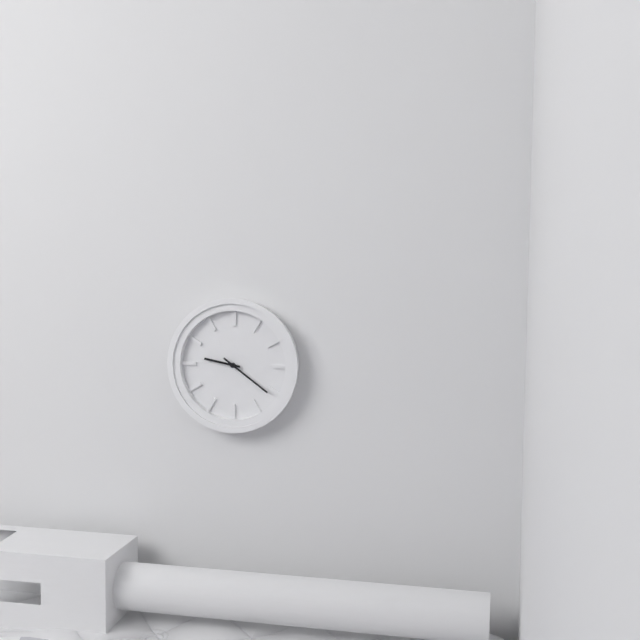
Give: 9h21
